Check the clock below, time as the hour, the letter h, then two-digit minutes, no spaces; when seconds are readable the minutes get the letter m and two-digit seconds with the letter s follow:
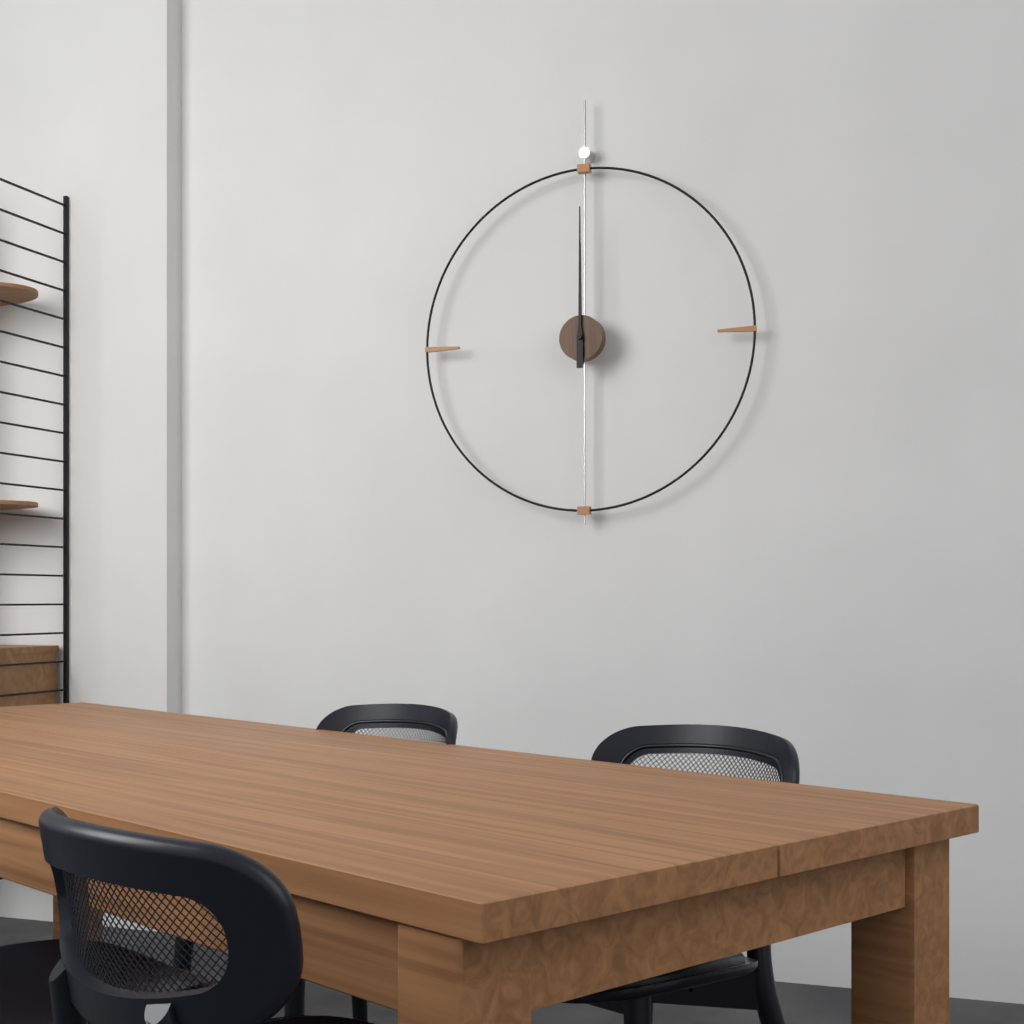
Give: 12h00
